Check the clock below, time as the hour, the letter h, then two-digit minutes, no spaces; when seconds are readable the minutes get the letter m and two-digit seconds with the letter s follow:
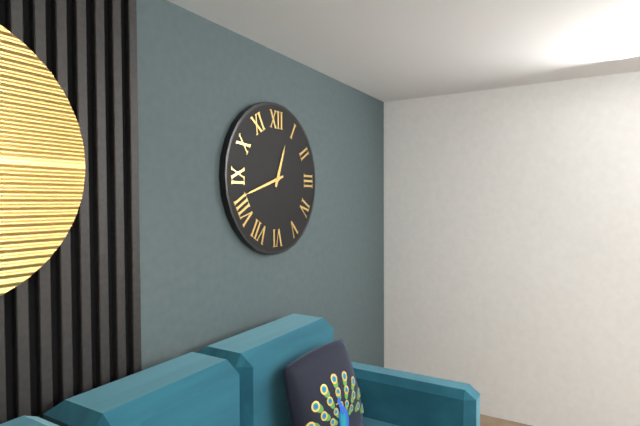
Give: 12h42
